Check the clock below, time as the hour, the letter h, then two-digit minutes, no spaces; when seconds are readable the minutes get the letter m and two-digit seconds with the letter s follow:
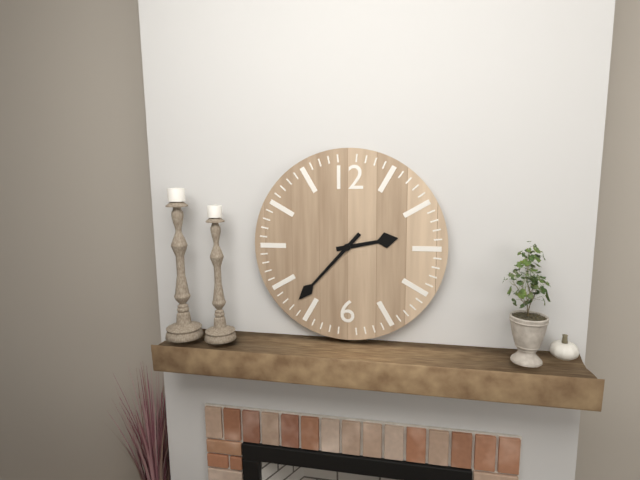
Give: 2h37
